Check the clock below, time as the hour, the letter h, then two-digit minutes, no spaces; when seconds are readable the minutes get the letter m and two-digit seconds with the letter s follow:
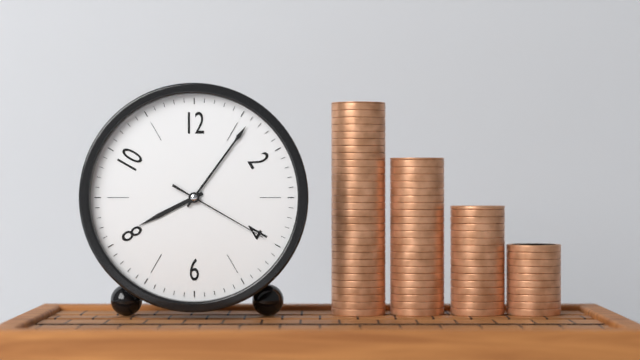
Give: 8h06m20s
